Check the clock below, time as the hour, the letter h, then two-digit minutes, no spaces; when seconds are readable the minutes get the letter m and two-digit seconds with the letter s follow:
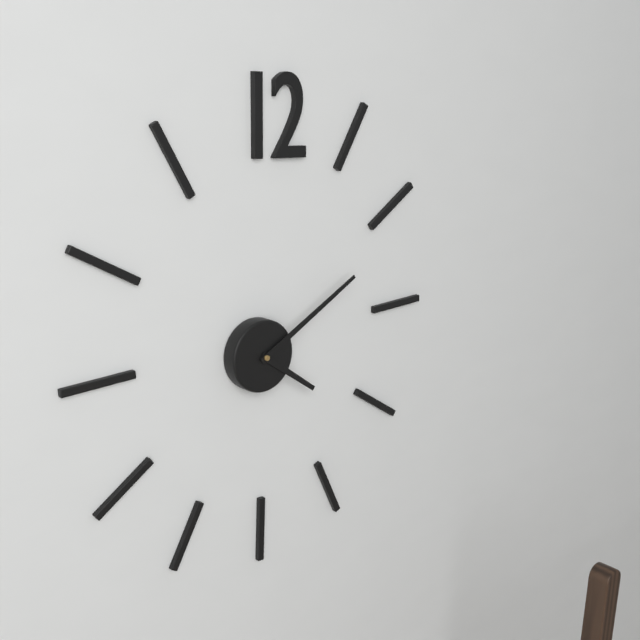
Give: 4h10
